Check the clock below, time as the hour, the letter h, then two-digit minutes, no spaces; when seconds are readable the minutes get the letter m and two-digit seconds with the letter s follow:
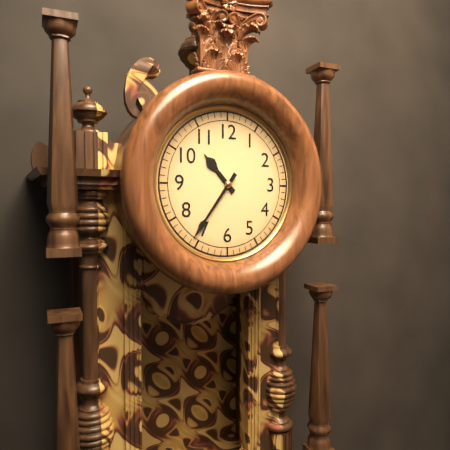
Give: 10h36
